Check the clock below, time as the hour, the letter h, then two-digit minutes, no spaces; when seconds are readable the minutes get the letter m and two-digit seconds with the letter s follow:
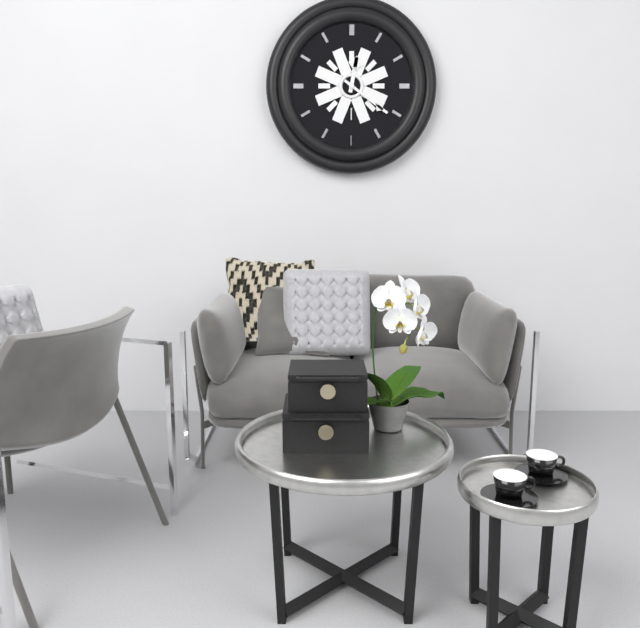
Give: 12h21
